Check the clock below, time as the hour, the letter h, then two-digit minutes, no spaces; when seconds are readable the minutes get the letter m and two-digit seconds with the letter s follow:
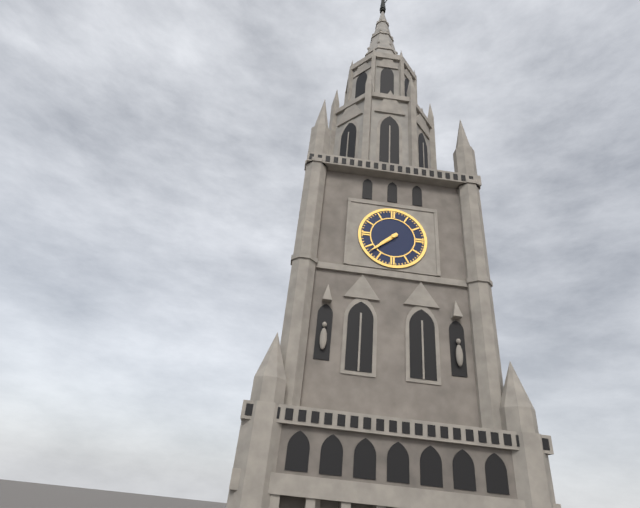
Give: 7h38
